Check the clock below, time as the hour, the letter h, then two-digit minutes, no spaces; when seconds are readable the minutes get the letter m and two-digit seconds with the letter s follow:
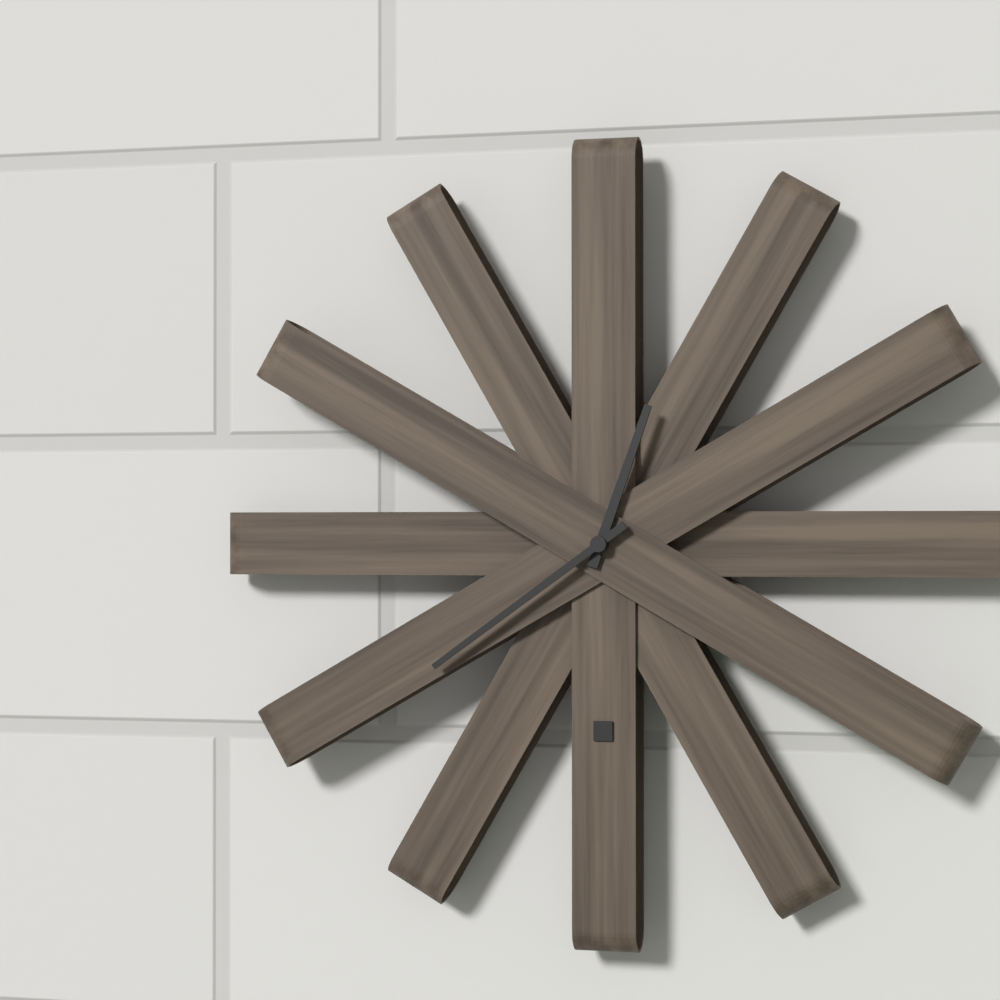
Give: 12h39
